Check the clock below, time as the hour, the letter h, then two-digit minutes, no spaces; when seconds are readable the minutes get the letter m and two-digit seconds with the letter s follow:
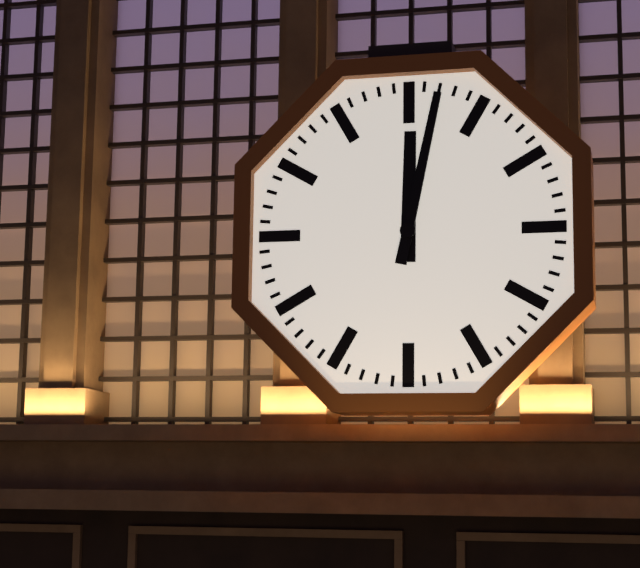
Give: 12h02
